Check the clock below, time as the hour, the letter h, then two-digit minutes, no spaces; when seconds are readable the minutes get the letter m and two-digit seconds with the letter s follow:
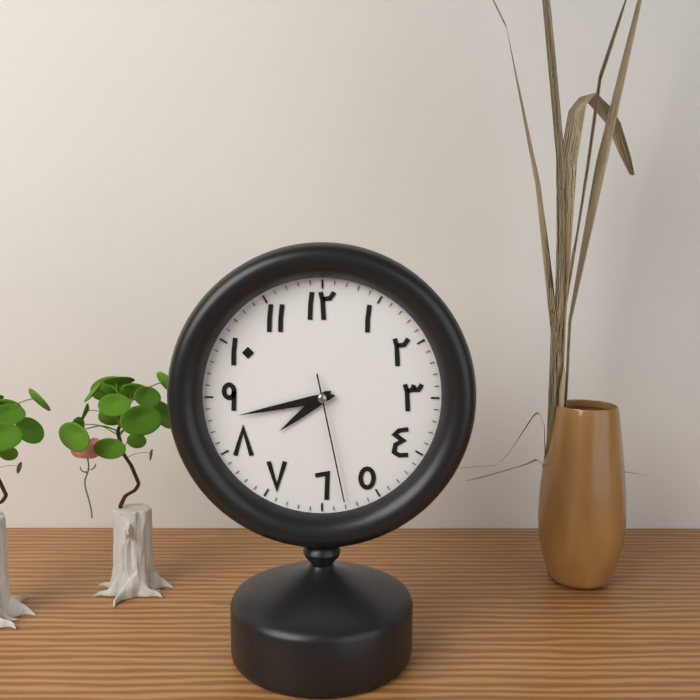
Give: 7h43m28s
